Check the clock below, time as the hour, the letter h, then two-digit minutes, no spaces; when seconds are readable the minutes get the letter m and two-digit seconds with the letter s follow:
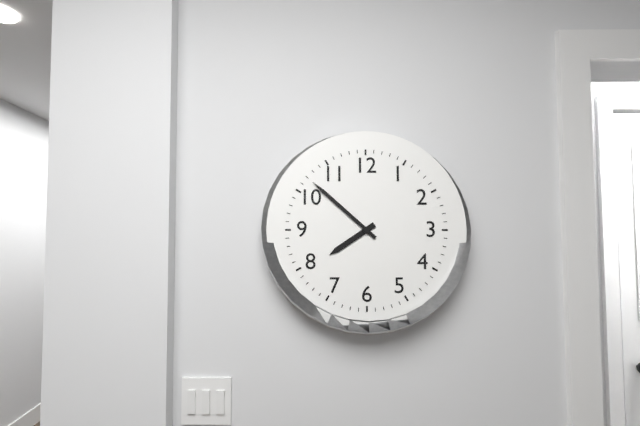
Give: 7h52
